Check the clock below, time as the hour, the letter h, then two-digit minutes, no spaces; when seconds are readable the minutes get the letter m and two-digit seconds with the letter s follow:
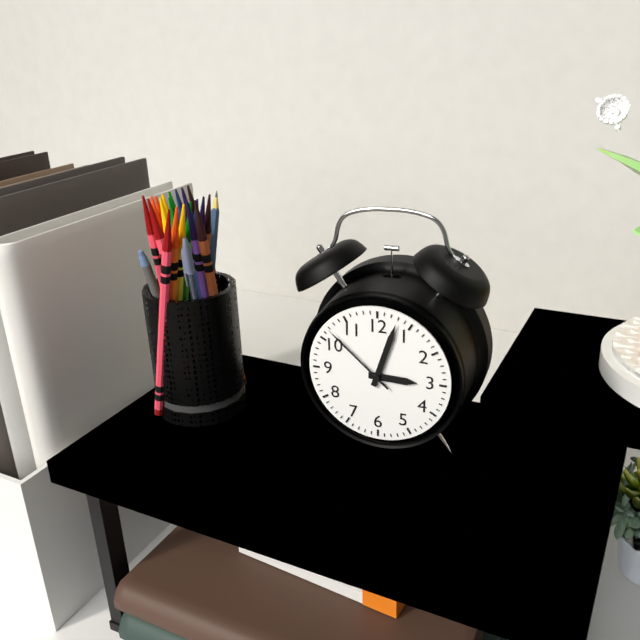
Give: 3h03m52s
